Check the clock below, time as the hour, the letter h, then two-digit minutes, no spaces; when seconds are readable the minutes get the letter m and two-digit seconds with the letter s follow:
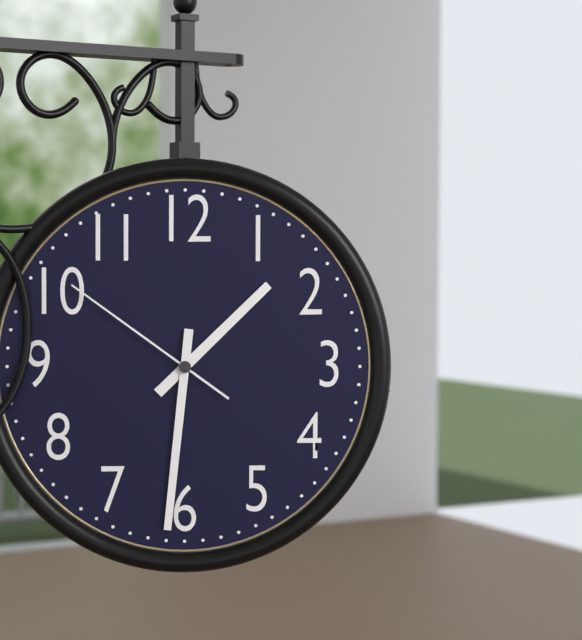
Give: 1h31m51s
